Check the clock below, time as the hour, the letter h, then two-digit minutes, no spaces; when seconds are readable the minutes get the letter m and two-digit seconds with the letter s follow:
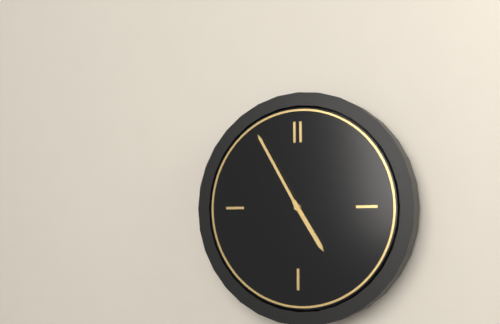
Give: 4h55
